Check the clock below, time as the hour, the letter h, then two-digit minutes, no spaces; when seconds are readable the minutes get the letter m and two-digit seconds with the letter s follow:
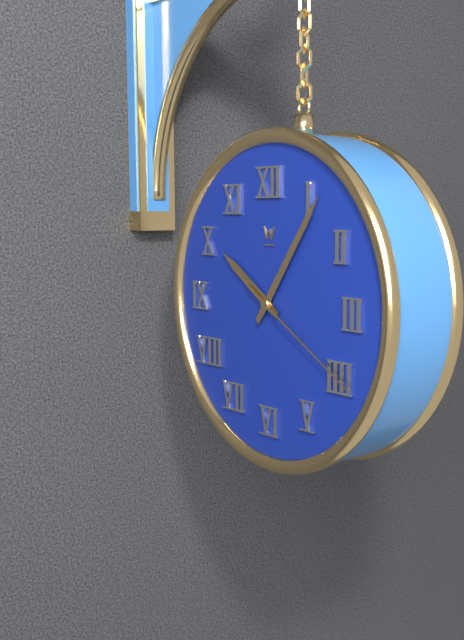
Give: 10h06m20s
